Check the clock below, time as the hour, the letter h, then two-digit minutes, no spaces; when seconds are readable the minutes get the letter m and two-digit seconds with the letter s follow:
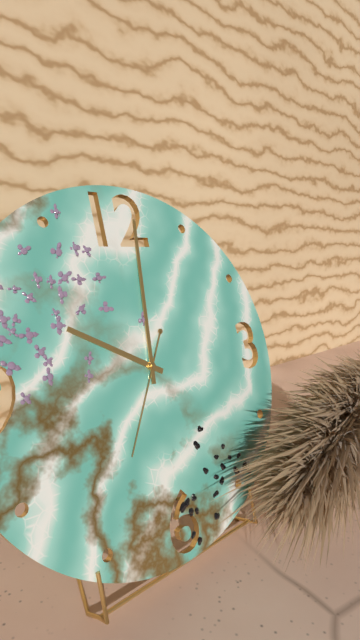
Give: 10h01m35s
